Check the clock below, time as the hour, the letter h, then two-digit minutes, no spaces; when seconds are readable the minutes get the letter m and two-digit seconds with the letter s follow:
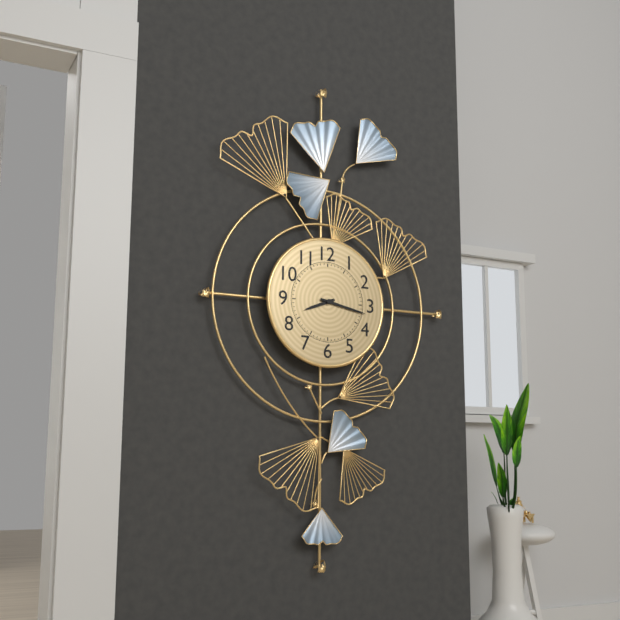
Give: 8h17
